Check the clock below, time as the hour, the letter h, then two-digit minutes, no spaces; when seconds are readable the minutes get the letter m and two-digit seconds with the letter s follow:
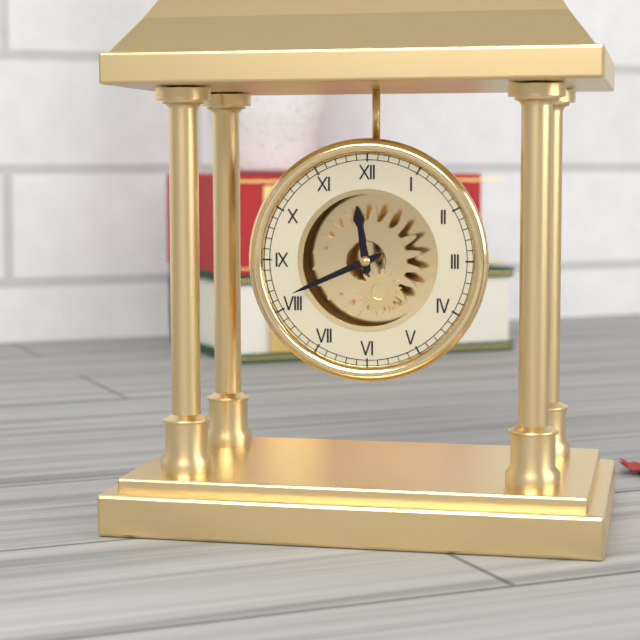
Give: 11h41
